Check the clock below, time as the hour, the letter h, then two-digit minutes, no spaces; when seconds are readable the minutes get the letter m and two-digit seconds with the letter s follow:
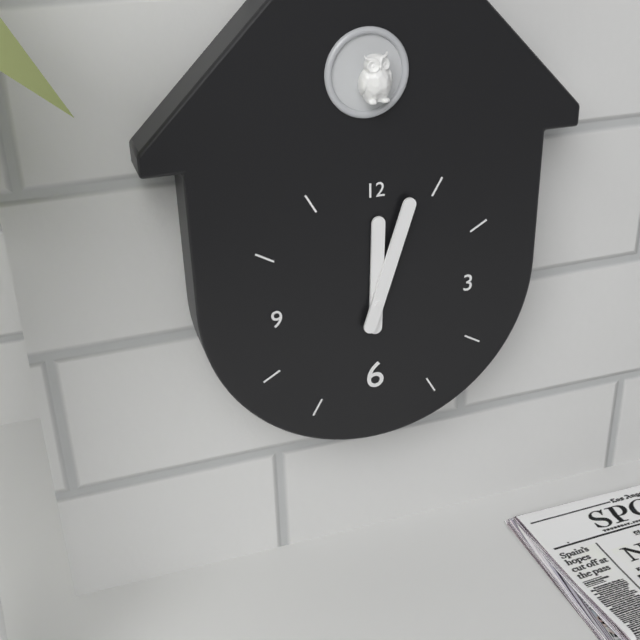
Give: 12h03
